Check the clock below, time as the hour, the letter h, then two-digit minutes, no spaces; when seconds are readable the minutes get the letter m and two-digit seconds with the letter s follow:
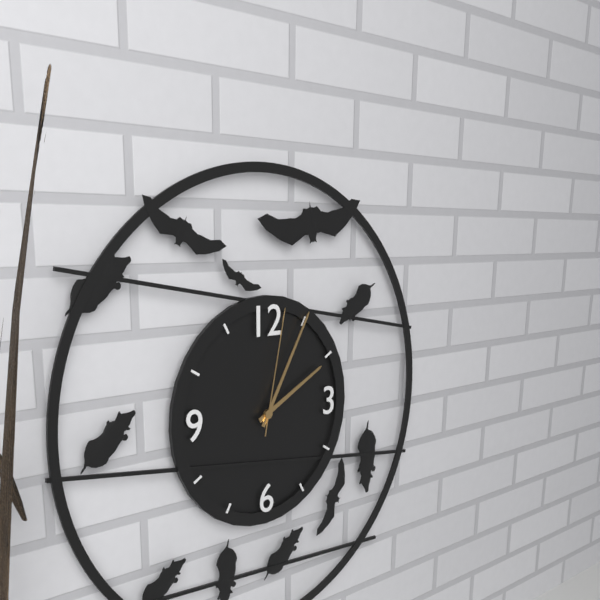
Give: 2h05m02s
